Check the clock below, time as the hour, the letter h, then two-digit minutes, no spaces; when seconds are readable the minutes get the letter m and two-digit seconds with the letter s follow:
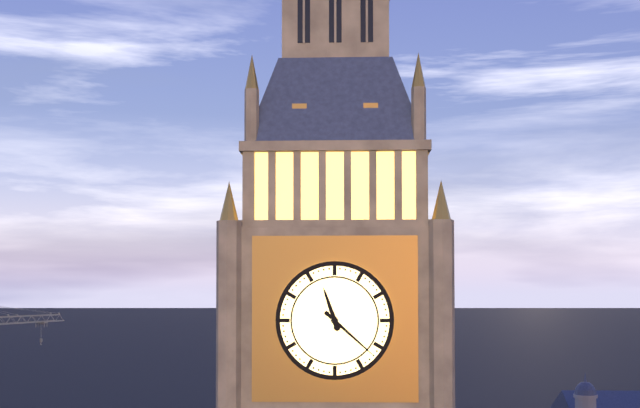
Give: 11h22
